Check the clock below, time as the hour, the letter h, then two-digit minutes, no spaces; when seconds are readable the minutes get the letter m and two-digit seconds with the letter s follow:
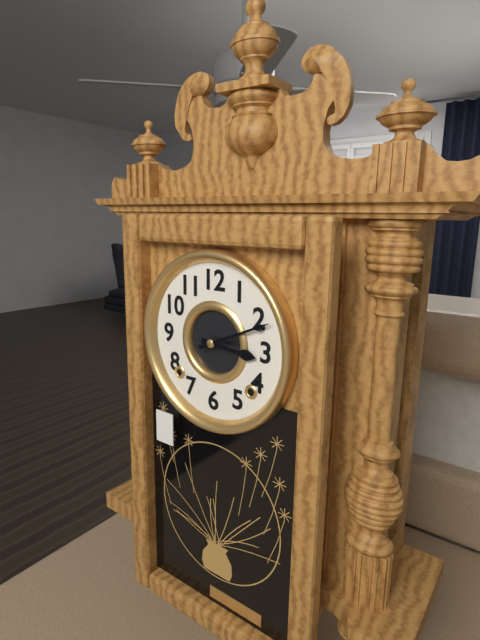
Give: 3h11
